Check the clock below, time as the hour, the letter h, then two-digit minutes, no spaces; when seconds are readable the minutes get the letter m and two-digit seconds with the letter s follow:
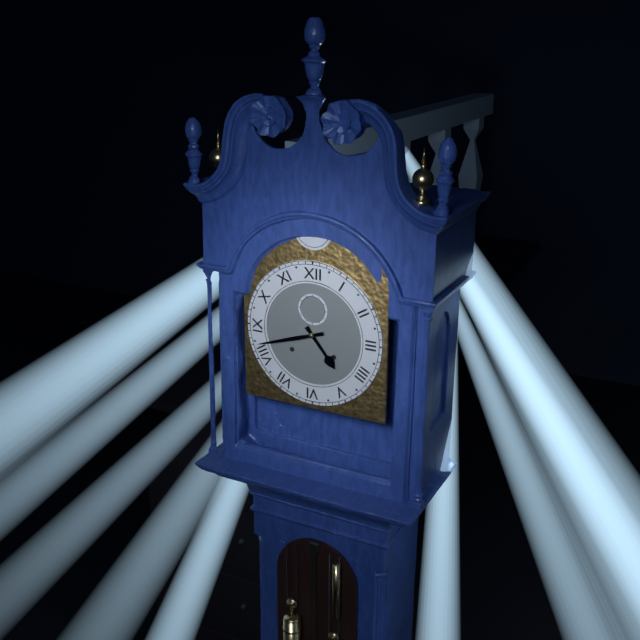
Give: 4h42
